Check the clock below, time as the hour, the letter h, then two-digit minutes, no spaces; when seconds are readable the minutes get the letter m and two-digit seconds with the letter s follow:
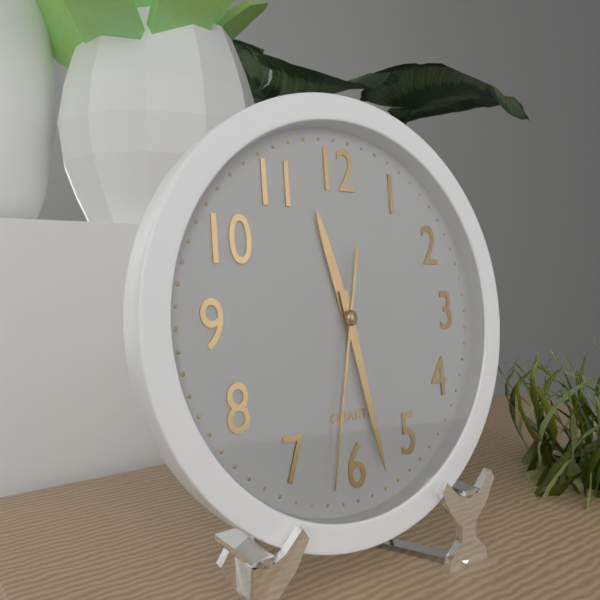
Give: 11h28m32s
